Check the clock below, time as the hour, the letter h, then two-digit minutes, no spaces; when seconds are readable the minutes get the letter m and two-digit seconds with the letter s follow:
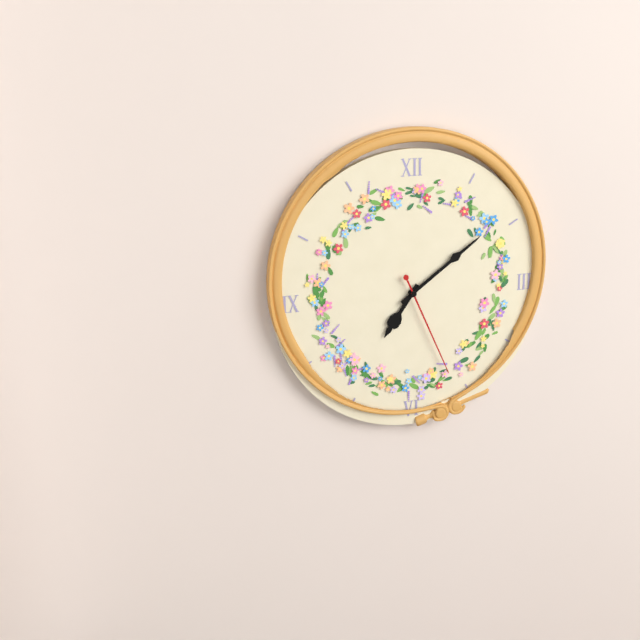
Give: 7h09m26s
